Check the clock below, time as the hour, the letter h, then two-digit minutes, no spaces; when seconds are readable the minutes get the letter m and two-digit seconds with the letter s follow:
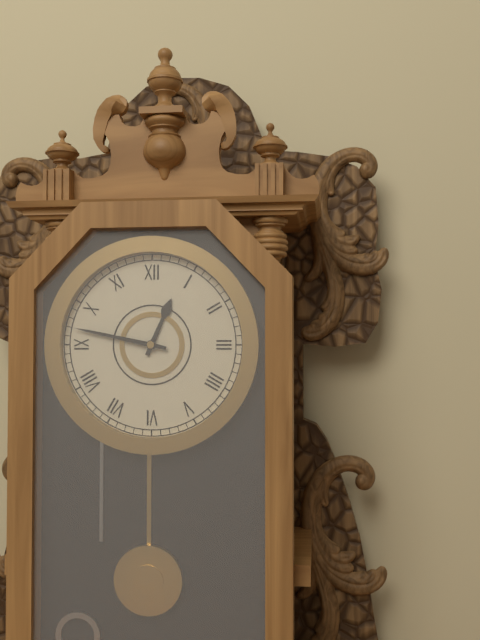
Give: 12h47
